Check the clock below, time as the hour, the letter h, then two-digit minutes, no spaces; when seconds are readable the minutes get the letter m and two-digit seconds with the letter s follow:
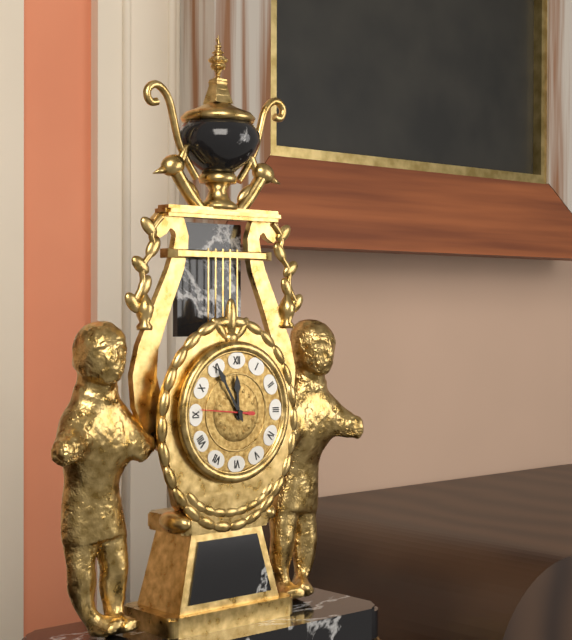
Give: 11h55
